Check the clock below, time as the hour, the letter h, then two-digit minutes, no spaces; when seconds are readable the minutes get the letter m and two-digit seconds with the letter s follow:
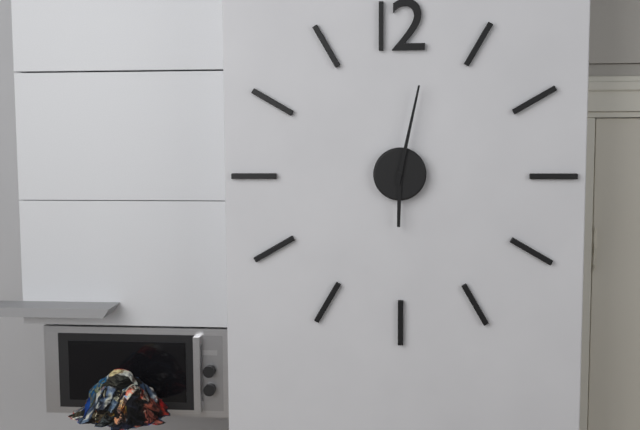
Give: 6h02
